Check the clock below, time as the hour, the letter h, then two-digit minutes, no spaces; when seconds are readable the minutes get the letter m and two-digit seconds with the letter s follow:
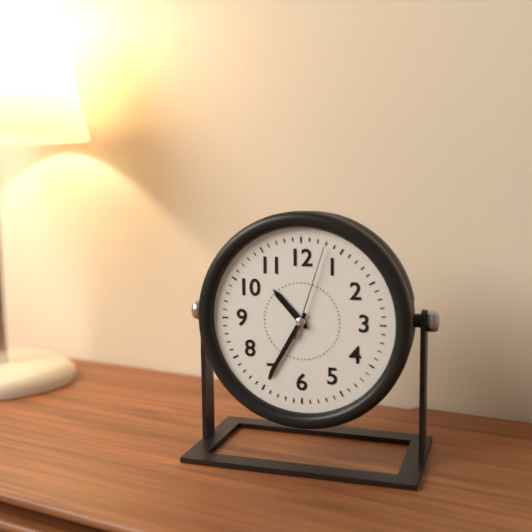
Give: 10h35m03s
